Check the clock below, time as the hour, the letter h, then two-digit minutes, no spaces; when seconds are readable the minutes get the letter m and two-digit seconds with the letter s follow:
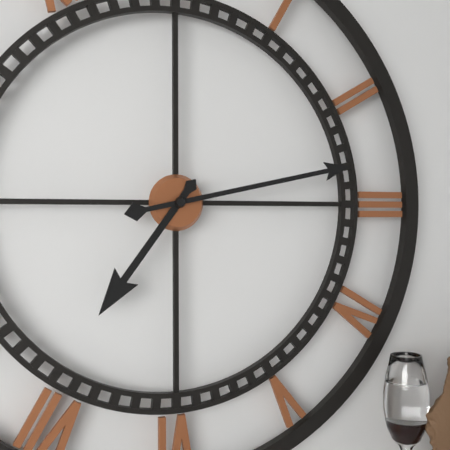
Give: 7h13
